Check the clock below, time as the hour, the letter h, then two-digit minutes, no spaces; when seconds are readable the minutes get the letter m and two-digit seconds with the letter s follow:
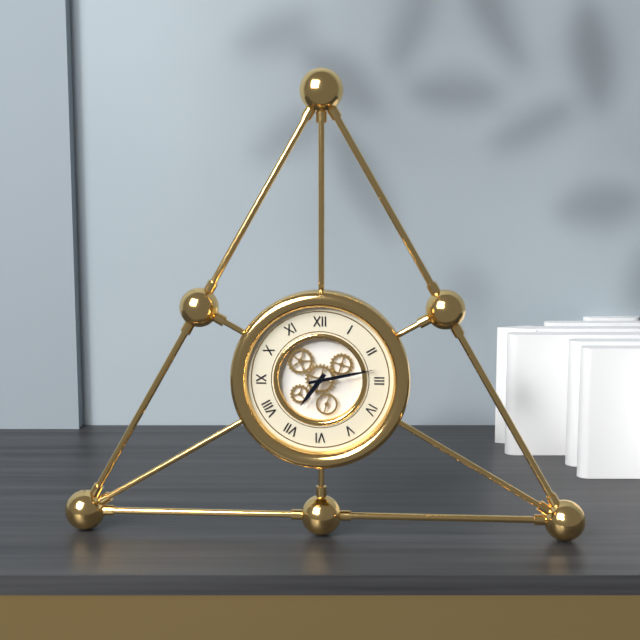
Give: 7h13
